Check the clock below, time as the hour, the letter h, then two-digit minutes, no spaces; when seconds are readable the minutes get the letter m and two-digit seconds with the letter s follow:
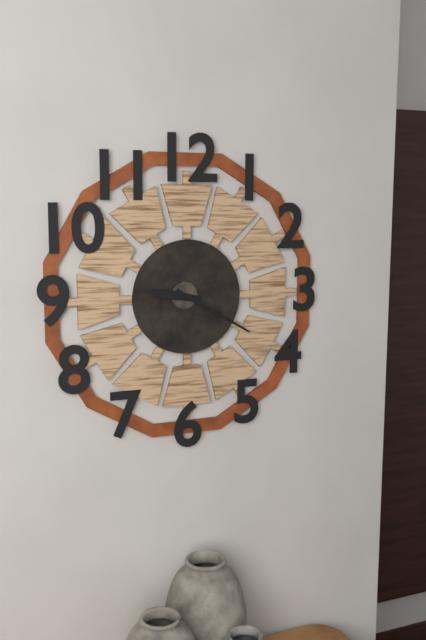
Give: 9h20
